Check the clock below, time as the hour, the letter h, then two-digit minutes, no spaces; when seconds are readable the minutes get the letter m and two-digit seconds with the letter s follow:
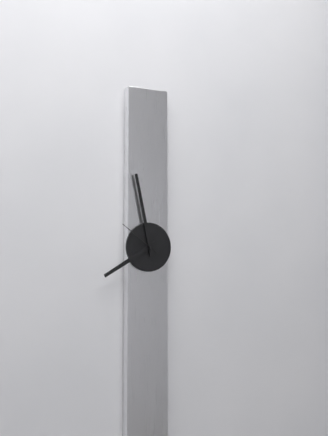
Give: 7h58
